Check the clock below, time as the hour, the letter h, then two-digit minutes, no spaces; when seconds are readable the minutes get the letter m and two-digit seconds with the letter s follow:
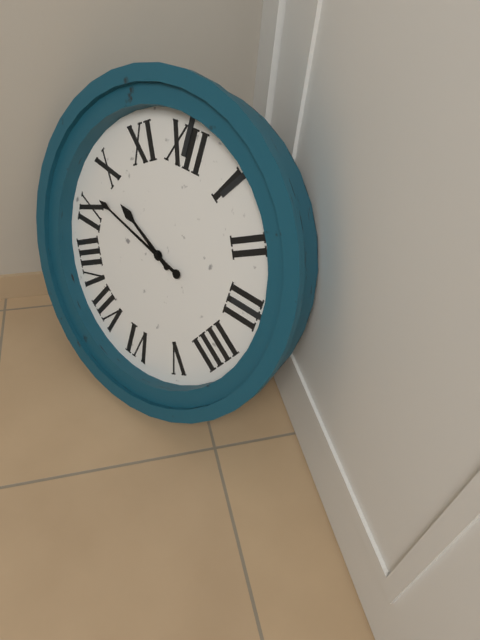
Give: 9h47
